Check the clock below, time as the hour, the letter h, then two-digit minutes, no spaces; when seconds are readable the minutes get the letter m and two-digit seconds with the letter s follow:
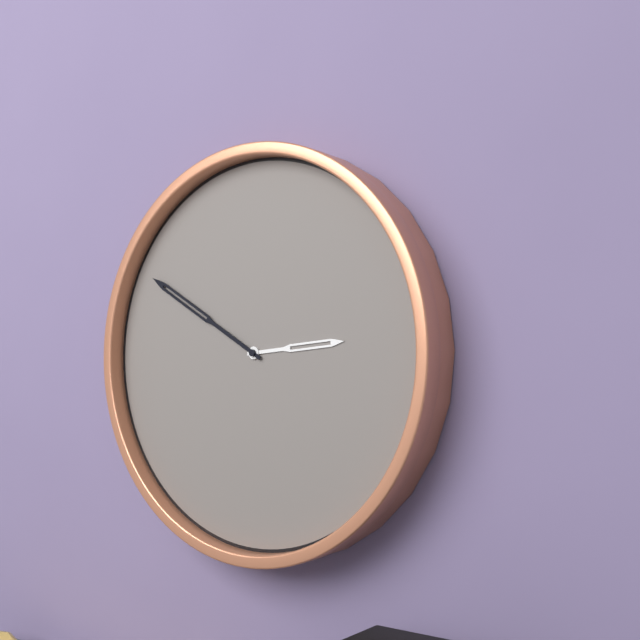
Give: 2h50
